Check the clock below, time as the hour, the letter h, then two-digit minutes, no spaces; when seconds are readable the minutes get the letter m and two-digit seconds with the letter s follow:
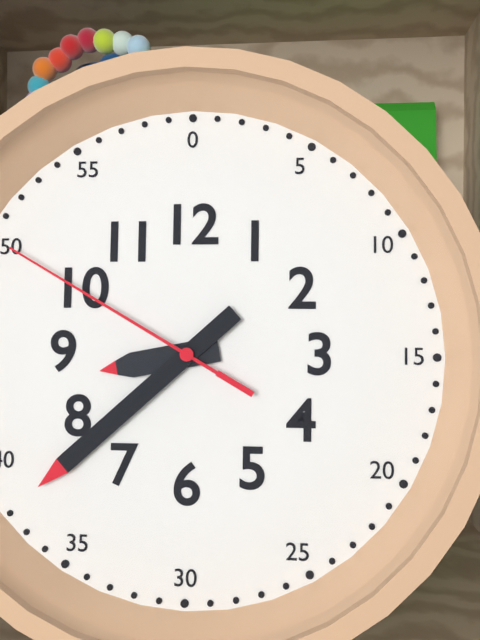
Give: 8h38m50s
